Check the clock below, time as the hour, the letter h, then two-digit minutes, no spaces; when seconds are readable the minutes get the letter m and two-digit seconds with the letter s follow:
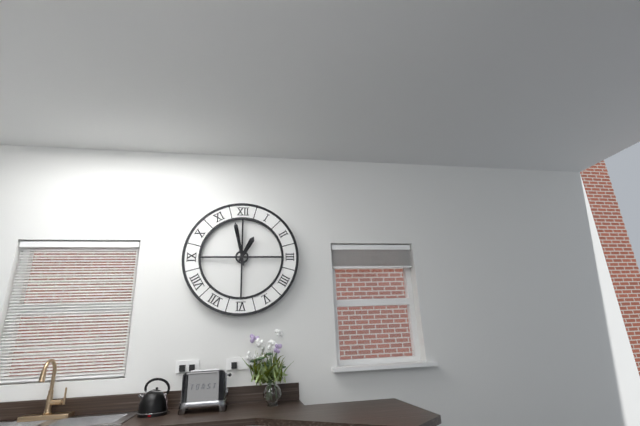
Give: 12h58
